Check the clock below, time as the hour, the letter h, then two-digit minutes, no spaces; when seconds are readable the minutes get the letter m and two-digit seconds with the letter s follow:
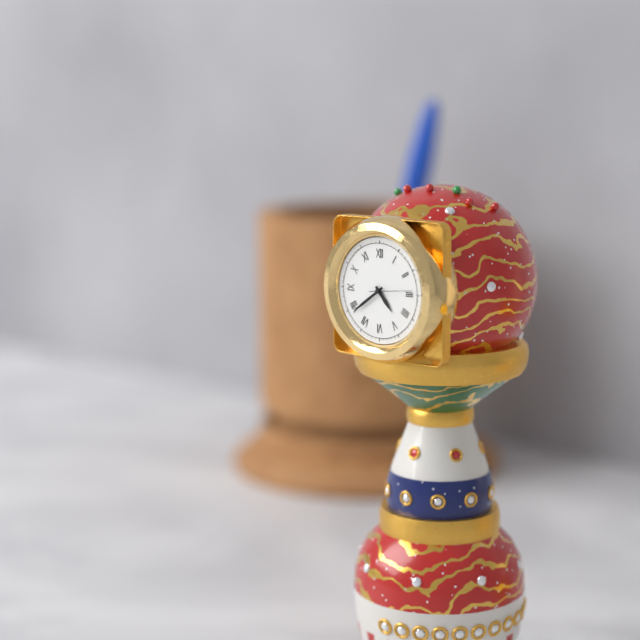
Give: 4h39
